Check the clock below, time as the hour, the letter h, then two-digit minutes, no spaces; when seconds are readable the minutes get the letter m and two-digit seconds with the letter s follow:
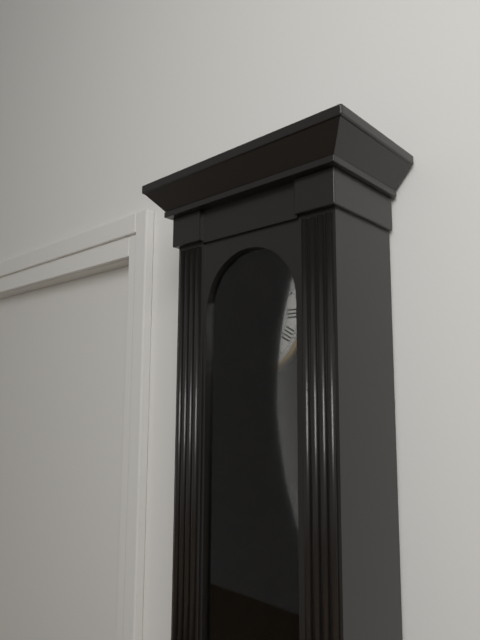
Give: 2h41
